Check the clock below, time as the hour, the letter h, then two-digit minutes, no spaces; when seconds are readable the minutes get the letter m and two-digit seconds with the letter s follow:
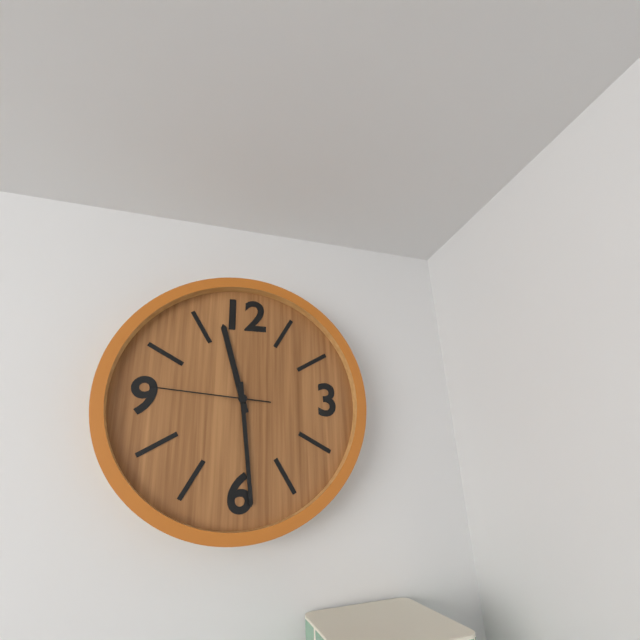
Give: 11h29m46s
